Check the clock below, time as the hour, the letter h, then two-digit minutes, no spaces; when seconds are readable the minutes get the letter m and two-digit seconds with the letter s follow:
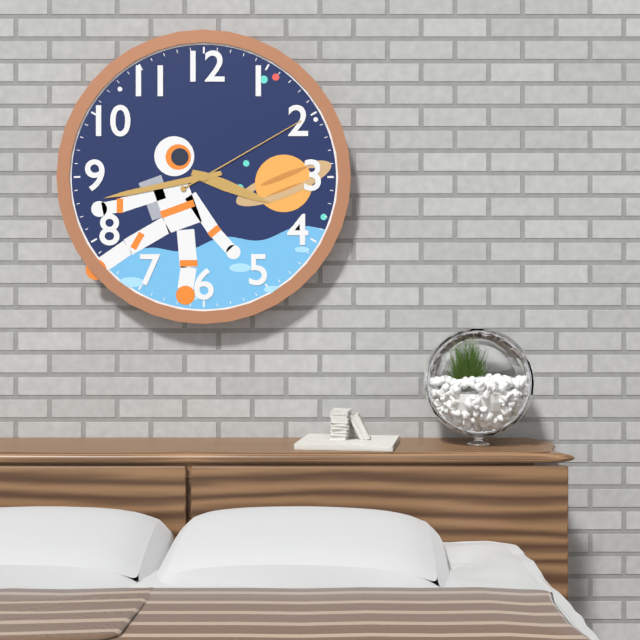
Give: 3h43m10s
